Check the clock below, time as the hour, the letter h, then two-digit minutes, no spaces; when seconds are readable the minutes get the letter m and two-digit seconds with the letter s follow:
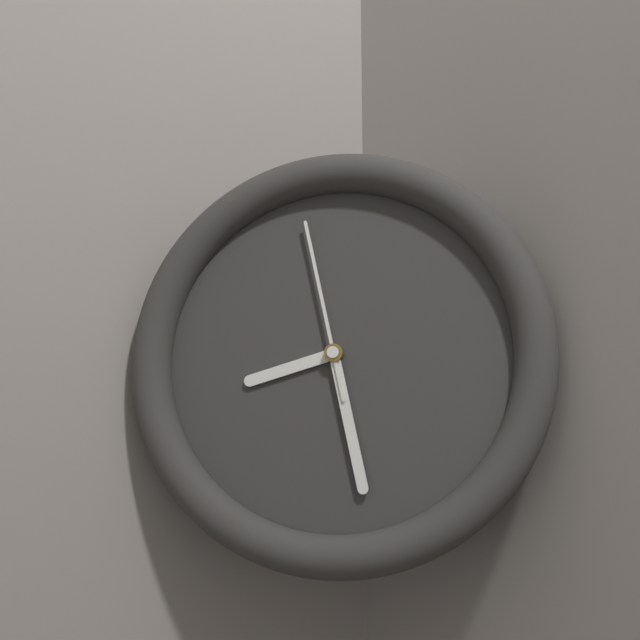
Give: 8h28m58s
